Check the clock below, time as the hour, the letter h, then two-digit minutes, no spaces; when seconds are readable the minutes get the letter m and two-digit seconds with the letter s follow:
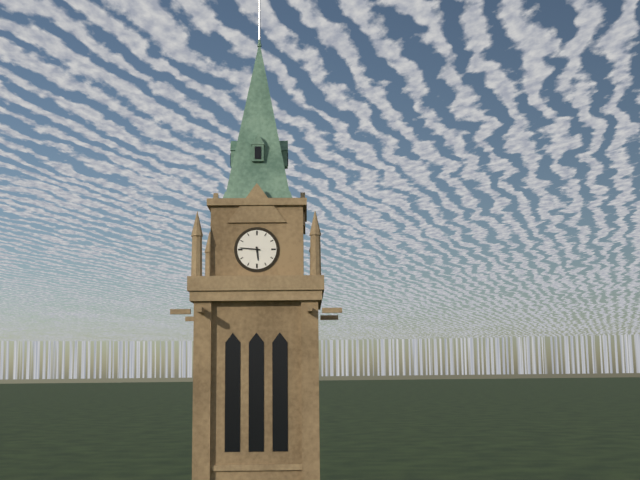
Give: 5h46
